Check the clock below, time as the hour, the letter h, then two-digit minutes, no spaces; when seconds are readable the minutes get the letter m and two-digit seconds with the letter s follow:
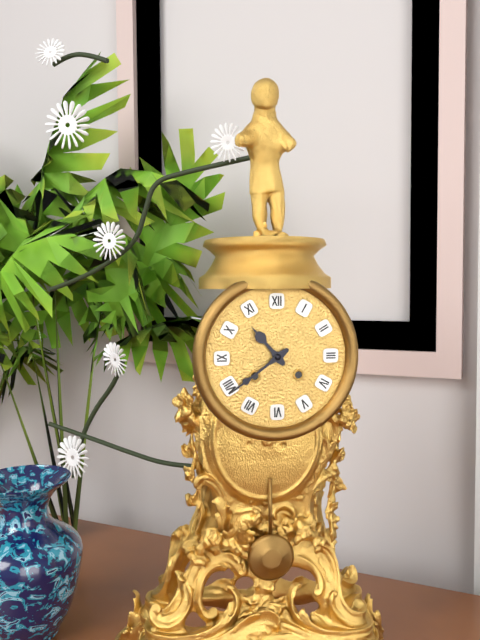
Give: 10h39
